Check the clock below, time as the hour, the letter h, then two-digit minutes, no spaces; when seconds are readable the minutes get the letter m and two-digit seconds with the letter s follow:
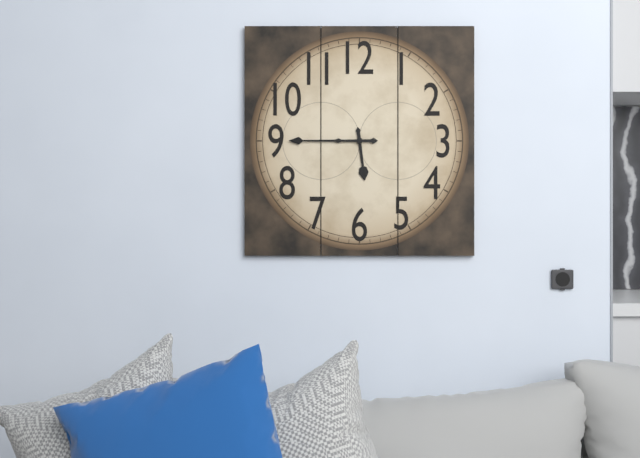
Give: 5h45
